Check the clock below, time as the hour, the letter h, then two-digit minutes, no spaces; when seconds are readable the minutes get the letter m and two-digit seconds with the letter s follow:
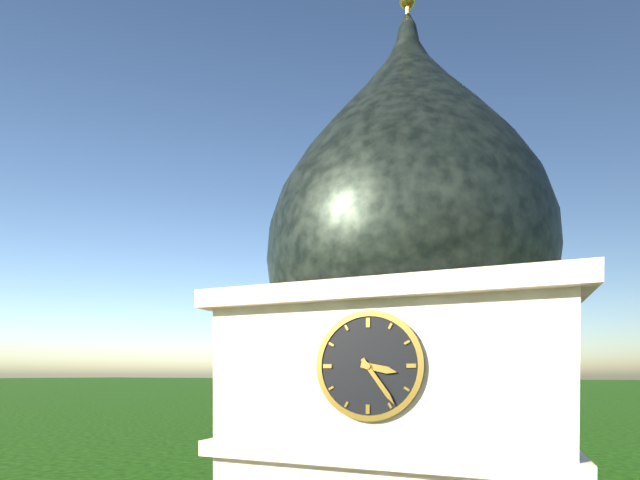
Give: 3h24
